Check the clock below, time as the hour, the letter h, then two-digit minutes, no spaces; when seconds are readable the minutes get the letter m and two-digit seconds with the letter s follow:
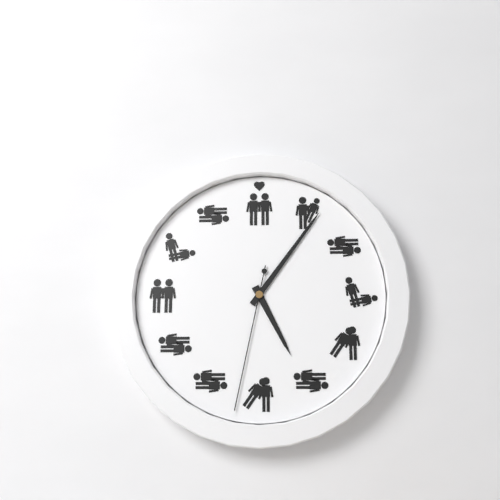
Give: 5h06m32s
